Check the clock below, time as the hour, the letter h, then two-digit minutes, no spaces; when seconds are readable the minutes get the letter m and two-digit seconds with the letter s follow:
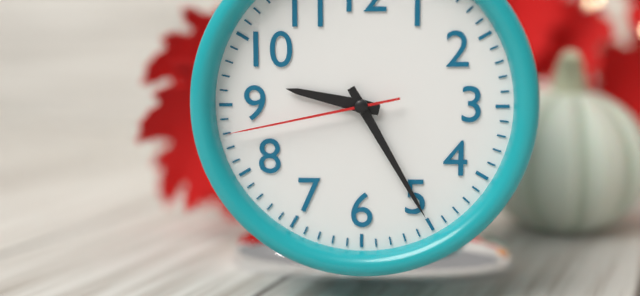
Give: 9h25m43s
